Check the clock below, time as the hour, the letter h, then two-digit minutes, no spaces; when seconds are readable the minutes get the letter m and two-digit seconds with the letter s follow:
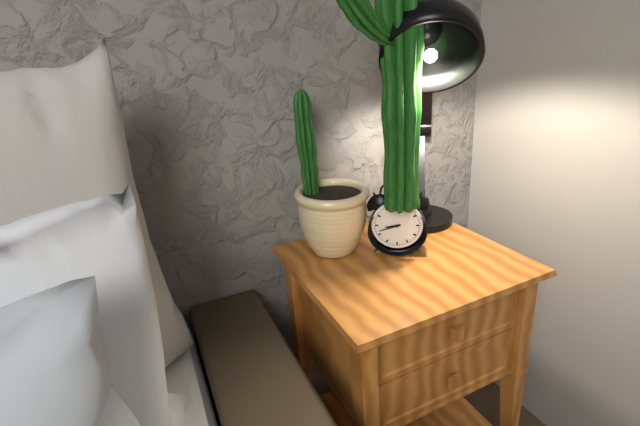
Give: 8h42
